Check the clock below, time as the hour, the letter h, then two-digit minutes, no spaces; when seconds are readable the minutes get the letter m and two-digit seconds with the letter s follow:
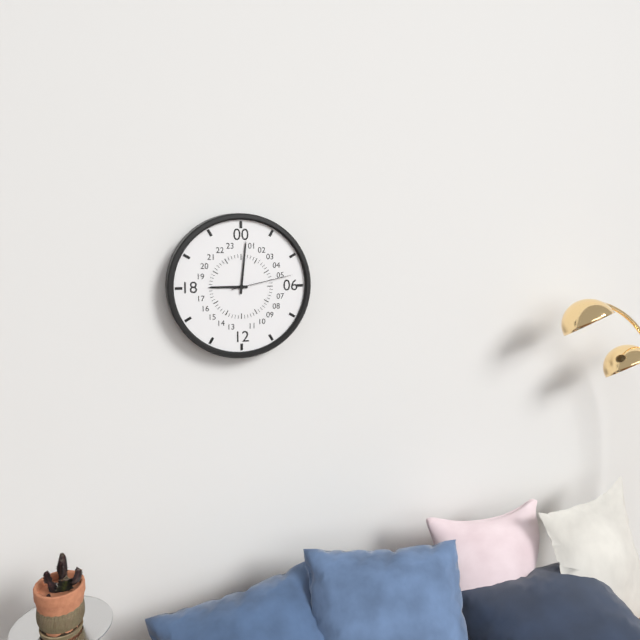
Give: 9h01m13s
